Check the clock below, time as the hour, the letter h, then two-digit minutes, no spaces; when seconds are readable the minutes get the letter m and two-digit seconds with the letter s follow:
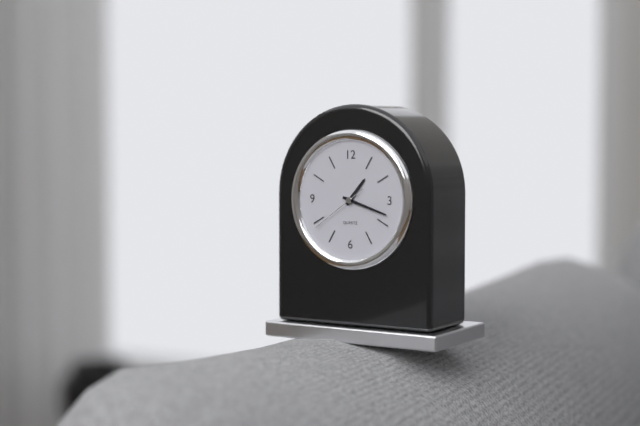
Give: 1h18m39s
